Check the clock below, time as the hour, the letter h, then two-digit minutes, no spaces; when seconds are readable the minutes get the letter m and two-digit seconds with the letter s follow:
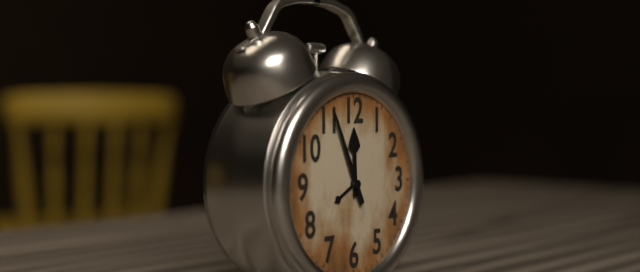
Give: 11h56
